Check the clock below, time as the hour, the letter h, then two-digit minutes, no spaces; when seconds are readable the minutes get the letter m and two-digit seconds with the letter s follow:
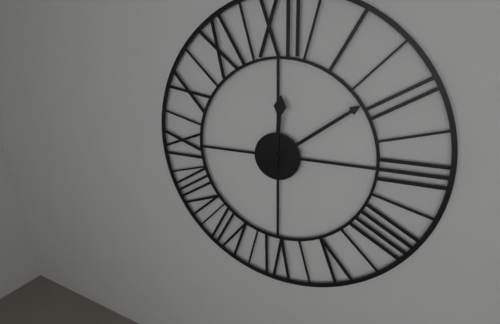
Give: 12h09
